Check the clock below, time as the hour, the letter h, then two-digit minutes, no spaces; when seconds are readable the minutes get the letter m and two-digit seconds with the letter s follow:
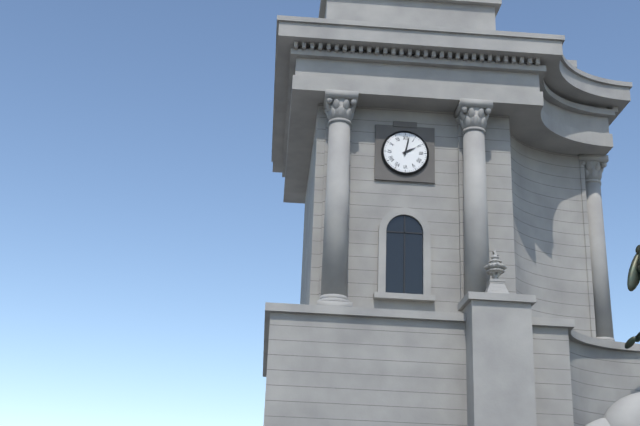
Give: 2h02
